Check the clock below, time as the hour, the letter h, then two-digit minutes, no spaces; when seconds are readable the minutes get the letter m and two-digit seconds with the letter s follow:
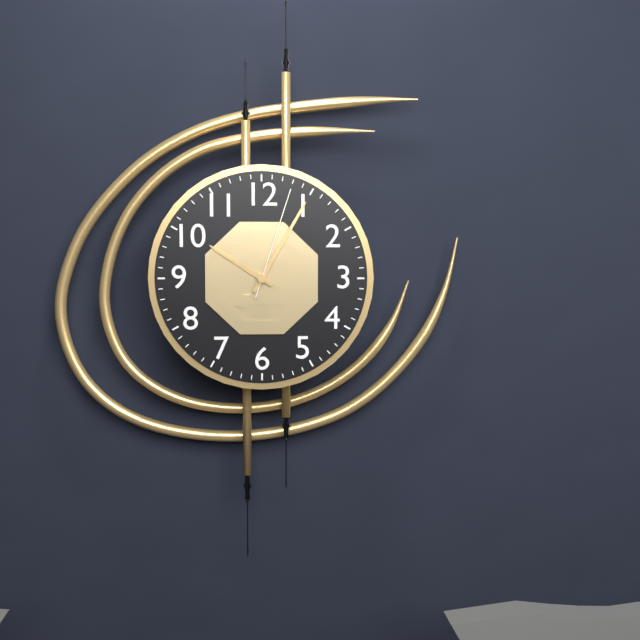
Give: 10h05m03s
